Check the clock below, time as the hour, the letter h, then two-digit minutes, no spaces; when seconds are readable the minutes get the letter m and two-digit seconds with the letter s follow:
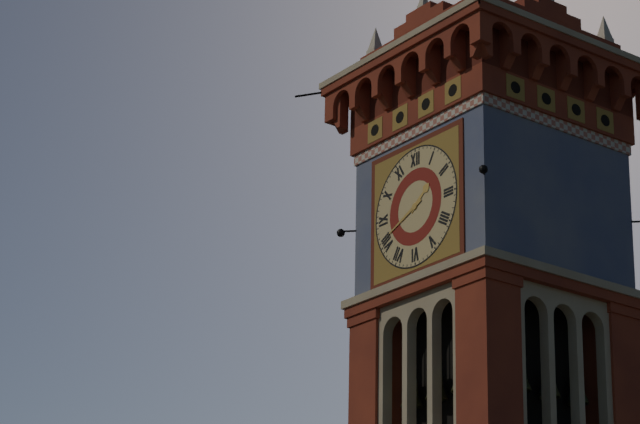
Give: 1h41
